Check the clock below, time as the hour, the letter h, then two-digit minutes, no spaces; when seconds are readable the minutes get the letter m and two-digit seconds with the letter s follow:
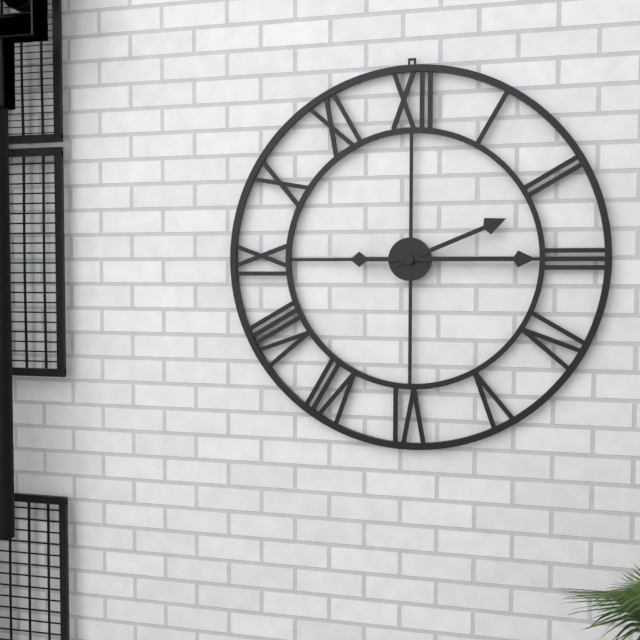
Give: 2h15
